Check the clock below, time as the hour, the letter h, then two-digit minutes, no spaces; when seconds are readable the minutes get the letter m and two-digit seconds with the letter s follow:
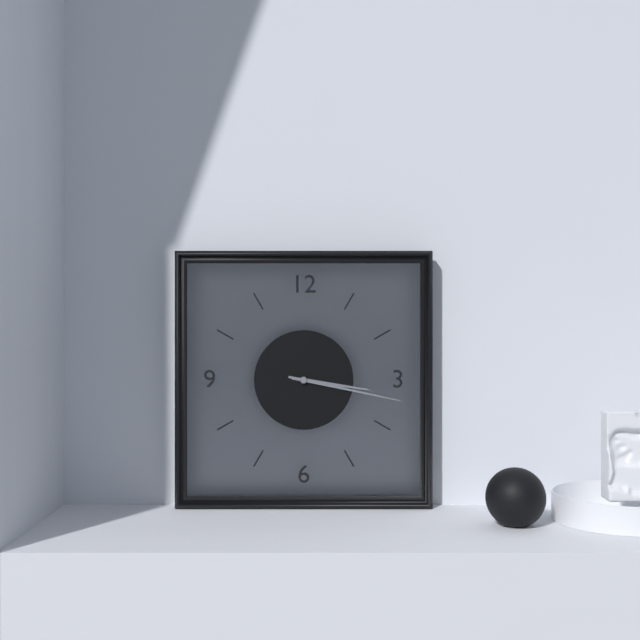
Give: 3h17
